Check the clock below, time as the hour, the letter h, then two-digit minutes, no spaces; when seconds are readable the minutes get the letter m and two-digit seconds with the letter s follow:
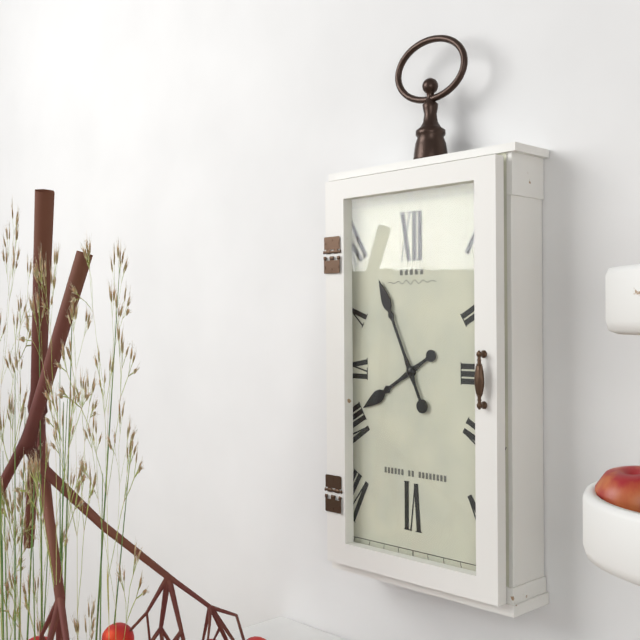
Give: 7h56
